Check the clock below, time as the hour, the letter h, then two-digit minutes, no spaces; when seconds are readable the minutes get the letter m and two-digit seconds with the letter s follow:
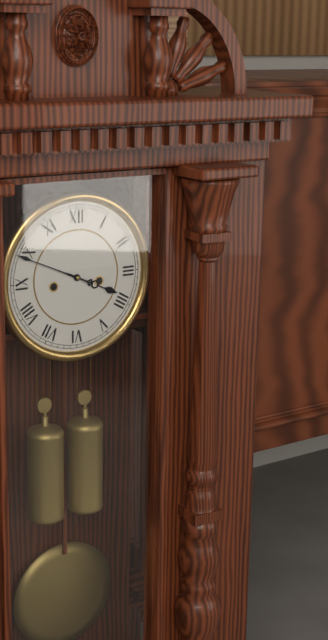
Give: 3h49
